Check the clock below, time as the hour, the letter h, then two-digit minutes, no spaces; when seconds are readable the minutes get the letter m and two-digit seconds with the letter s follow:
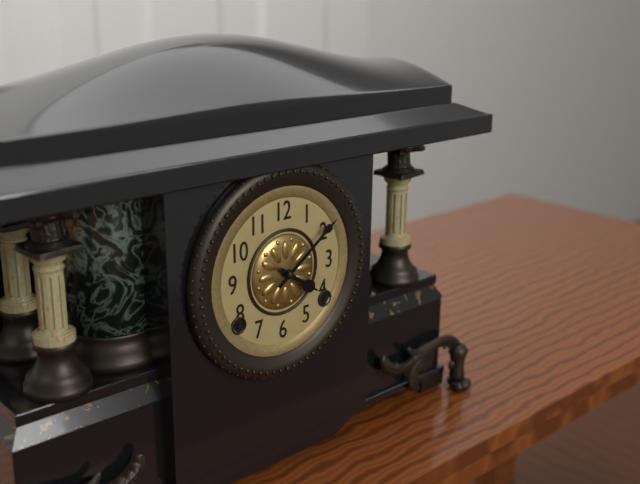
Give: 4h09
